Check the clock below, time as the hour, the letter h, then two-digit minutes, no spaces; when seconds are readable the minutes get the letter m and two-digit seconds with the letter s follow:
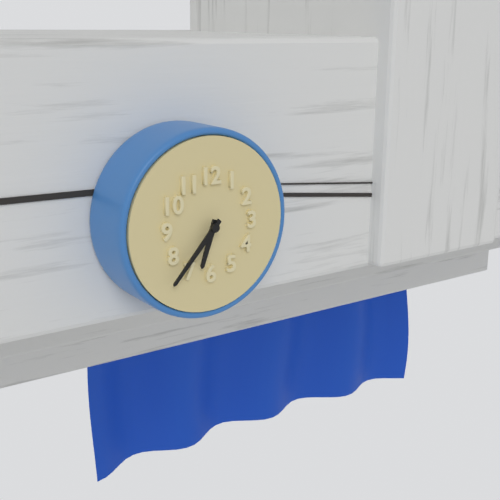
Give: 6h37
